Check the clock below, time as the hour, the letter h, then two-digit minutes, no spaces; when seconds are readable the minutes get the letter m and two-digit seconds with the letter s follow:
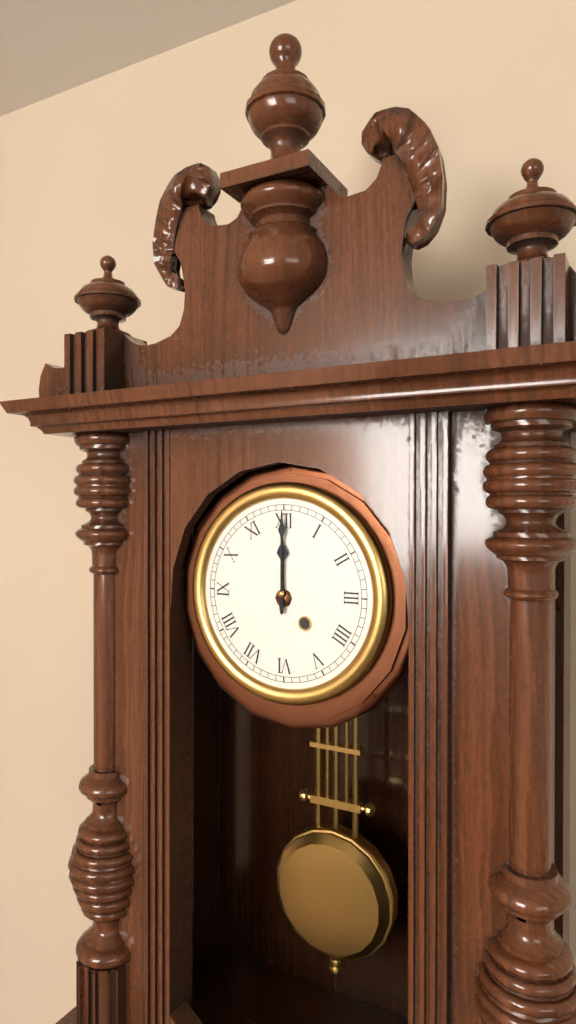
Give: 12h00
